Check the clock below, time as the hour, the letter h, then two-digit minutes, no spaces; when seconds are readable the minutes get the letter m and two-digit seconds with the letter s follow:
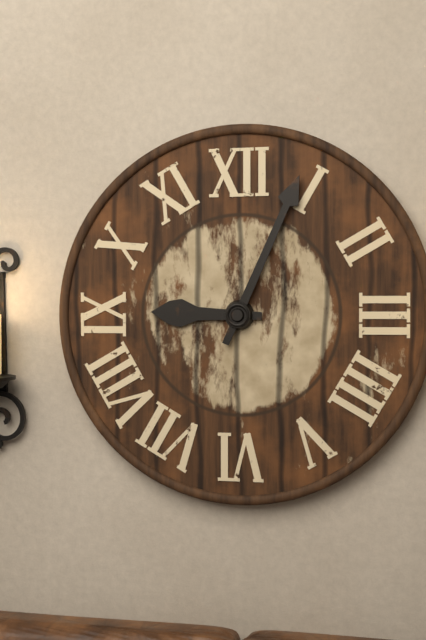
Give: 9h04
